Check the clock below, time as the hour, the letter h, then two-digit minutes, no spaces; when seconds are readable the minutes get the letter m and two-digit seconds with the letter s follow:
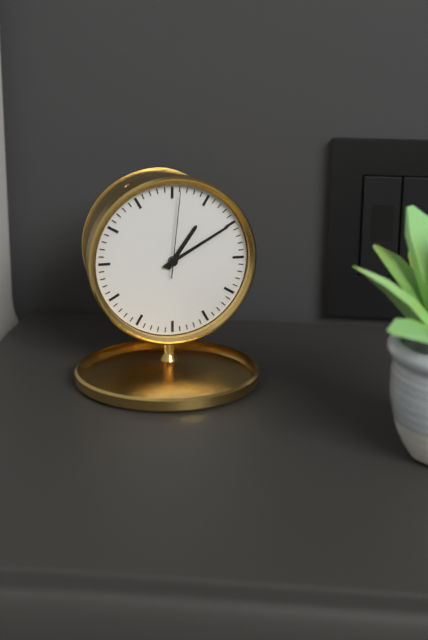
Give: 1h10m01s
